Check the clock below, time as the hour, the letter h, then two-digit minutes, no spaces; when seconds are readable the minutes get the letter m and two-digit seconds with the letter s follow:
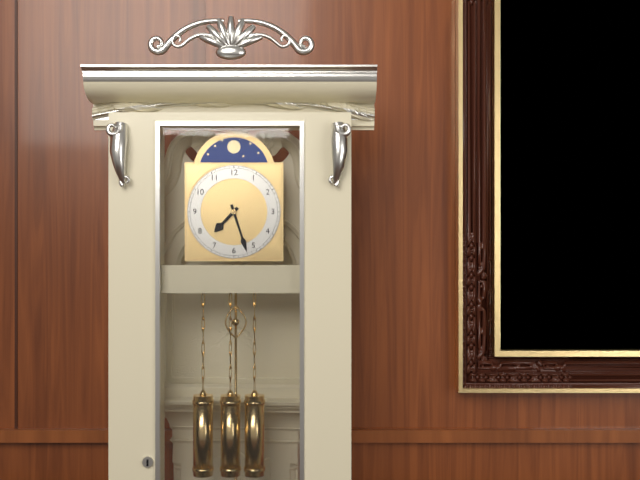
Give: 7h27
